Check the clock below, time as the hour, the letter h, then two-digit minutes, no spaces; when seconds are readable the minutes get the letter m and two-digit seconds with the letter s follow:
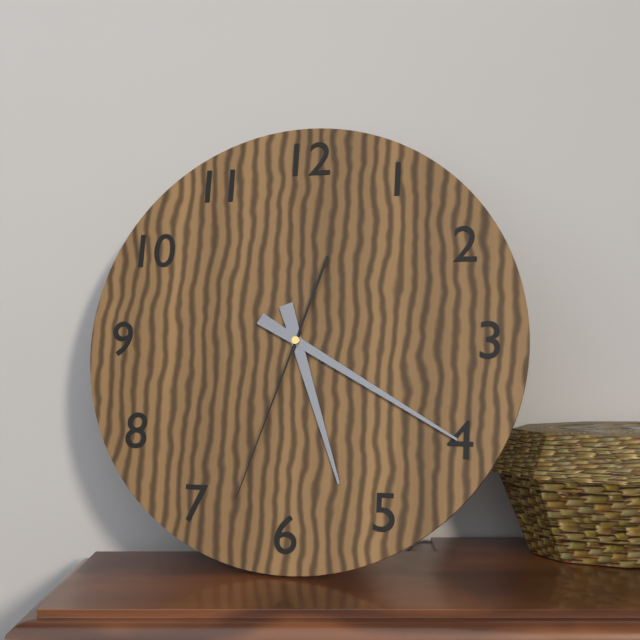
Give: 5h20m33s
